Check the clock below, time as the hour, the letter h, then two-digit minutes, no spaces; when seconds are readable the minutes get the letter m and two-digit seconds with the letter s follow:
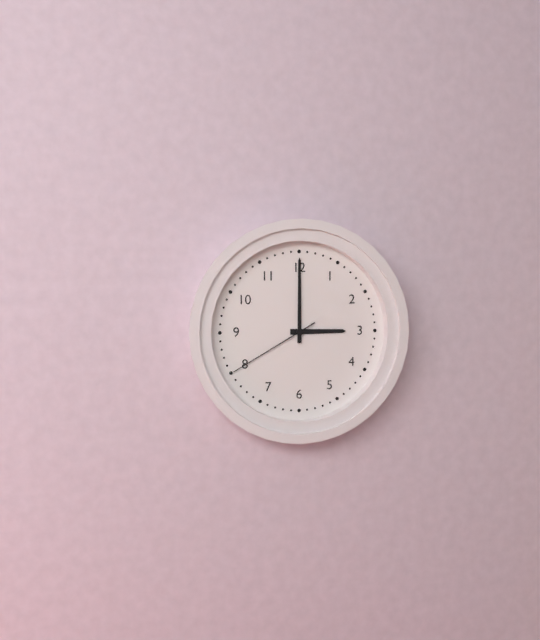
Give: 3h00m40s
